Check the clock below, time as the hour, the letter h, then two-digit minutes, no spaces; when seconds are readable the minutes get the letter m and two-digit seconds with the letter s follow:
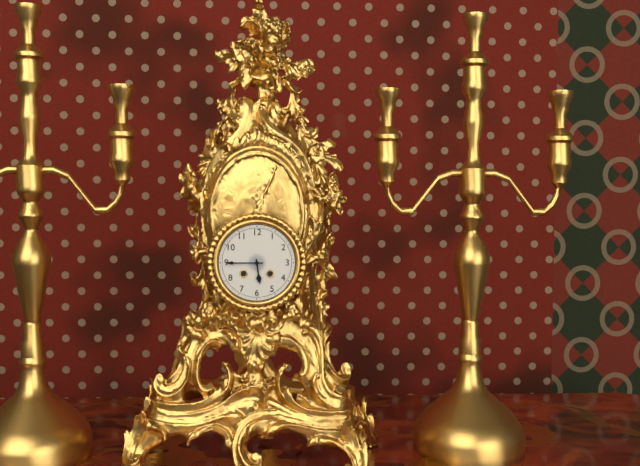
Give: 5h45
